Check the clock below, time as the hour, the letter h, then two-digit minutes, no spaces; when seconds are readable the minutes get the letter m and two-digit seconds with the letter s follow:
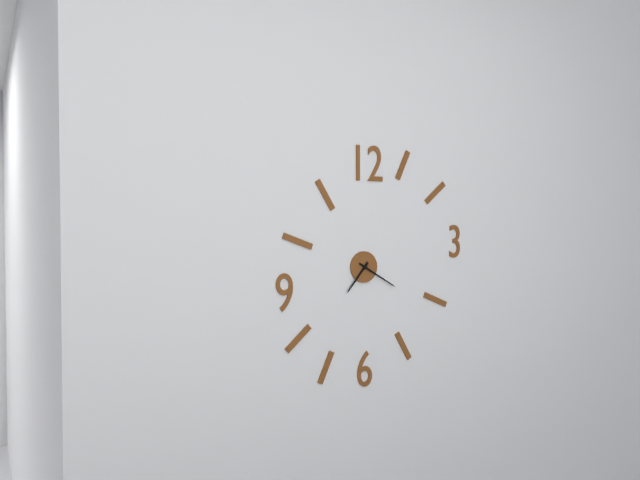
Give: 7h20
